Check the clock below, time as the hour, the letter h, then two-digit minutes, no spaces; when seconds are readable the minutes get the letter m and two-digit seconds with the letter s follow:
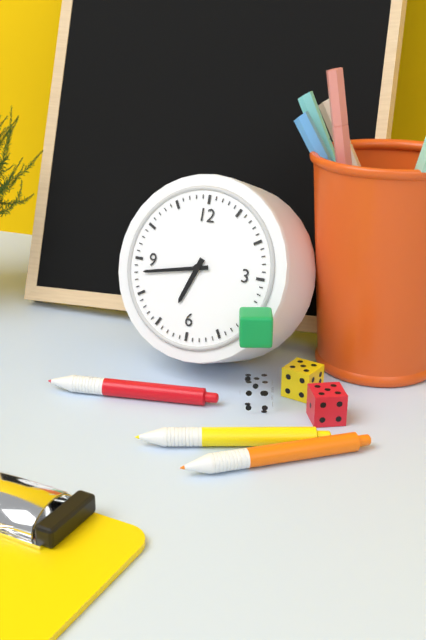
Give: 6h43
